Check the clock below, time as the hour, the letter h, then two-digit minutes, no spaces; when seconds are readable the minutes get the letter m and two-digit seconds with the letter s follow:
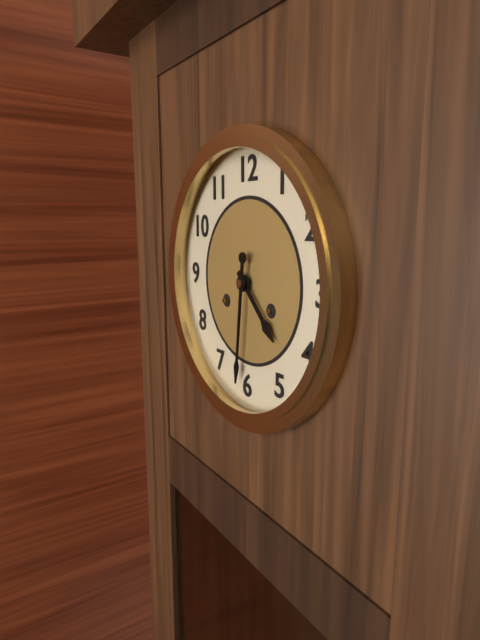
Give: 4h31
